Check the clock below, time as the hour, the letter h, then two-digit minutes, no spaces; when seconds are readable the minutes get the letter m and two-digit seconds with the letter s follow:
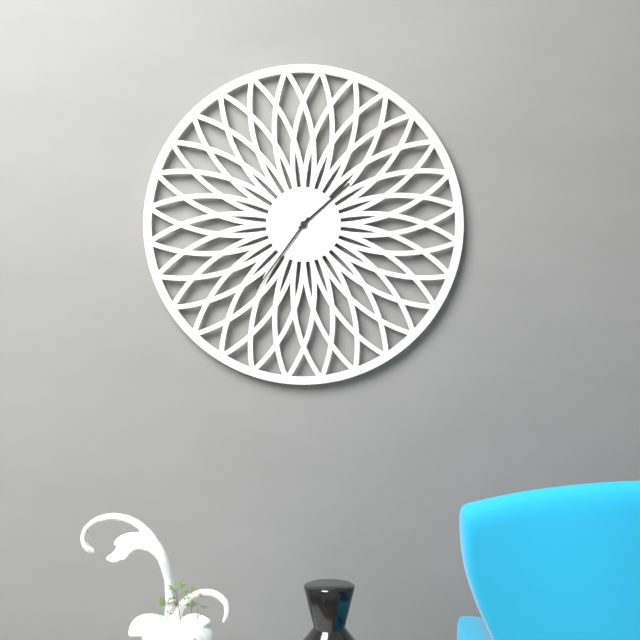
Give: 1h36
